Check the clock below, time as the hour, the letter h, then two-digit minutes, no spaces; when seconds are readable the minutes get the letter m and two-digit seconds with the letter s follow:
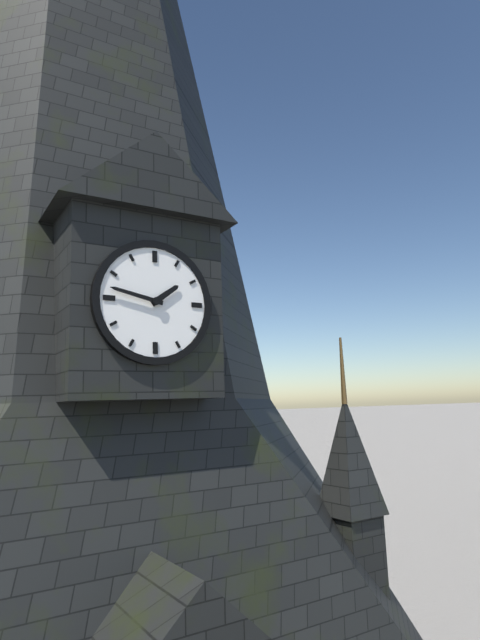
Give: 1h47
